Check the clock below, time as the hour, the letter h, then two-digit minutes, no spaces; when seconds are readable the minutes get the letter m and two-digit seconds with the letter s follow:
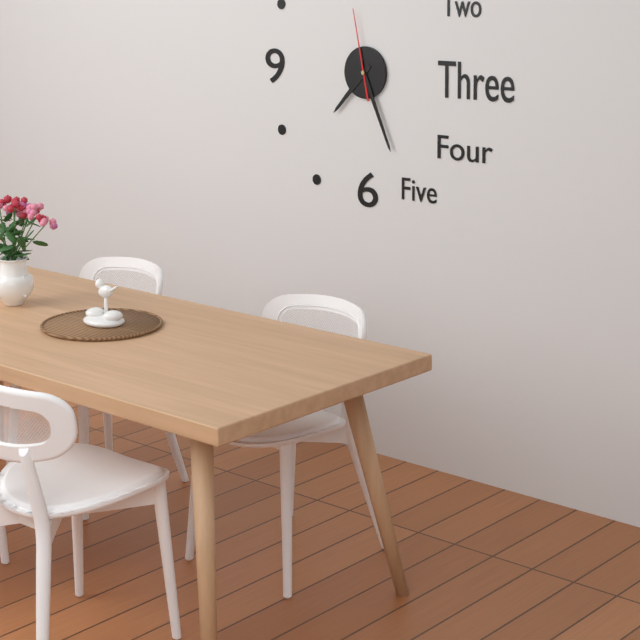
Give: 7h26m58s
